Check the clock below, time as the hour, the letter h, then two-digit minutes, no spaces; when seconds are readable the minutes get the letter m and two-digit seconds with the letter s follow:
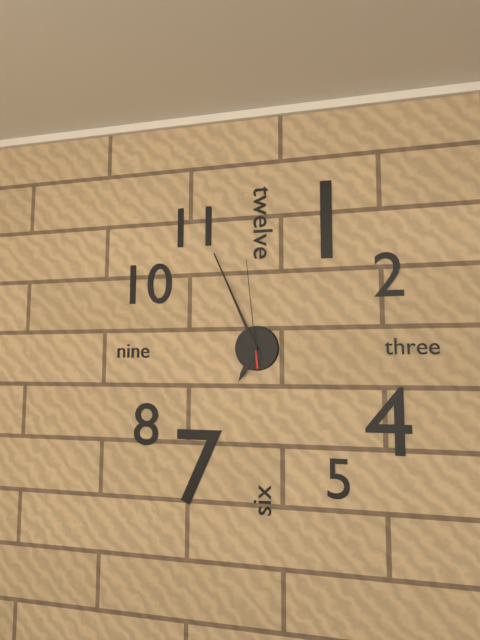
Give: 6h56m59s
